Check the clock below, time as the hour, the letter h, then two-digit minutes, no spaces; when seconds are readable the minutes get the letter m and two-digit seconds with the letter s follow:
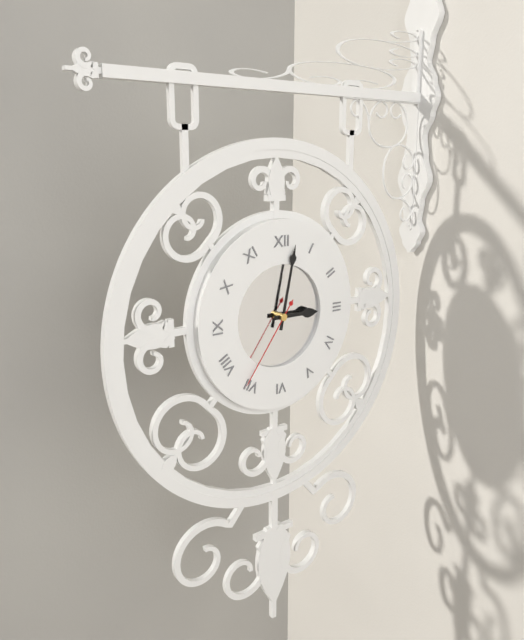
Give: 3h02m36s
